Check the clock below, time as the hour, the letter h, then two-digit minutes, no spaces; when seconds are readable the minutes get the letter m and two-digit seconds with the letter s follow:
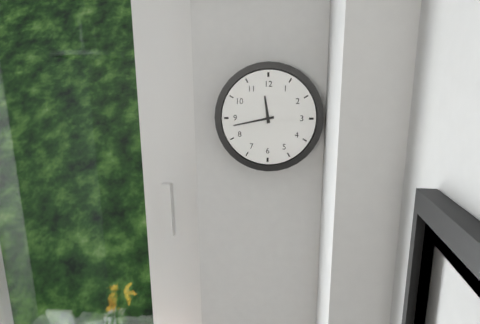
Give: 11h43
